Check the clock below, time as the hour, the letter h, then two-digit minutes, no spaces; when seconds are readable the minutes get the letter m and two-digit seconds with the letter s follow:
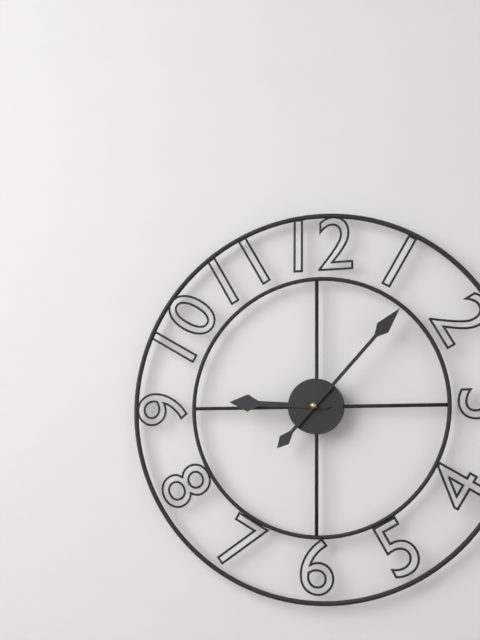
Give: 9h07
